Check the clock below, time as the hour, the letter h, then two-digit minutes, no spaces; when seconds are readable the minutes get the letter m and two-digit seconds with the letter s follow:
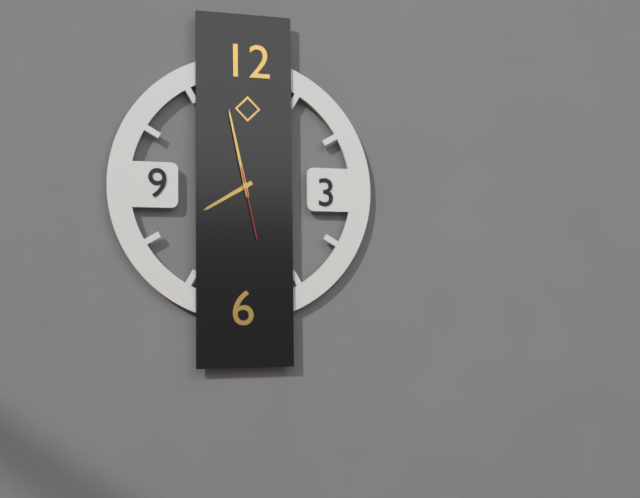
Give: 7h58m28s
